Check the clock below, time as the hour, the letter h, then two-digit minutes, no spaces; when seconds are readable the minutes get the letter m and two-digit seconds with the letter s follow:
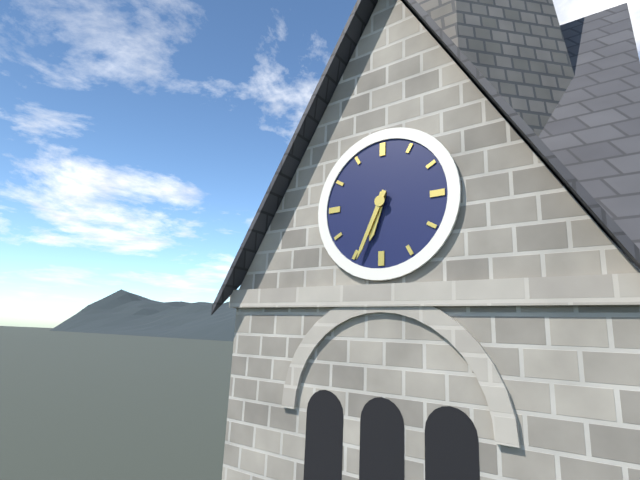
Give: 6h34
